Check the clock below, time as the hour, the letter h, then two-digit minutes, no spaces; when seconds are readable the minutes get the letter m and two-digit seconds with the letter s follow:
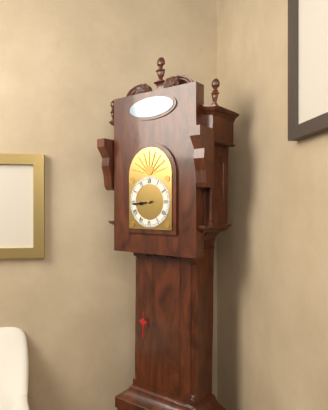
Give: 8h44
